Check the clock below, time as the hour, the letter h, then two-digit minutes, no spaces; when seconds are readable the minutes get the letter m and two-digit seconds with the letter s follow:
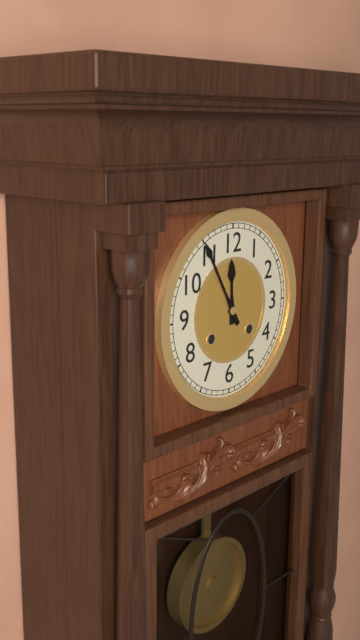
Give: 11h55
